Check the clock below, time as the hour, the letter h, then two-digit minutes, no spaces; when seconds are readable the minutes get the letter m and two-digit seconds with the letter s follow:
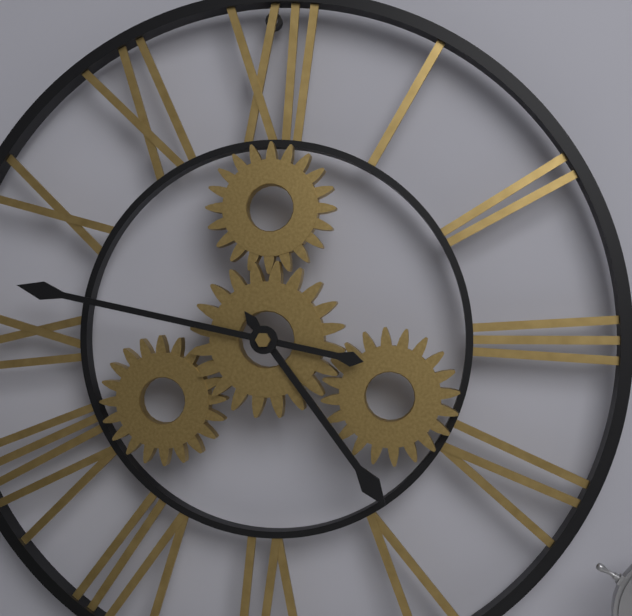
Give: 4h47
